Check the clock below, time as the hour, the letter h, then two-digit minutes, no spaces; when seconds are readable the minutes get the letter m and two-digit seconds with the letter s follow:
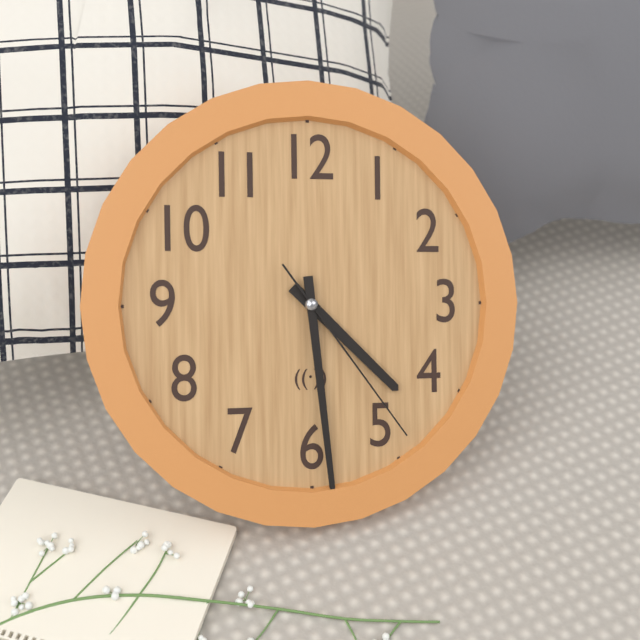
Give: 4h29m24s
